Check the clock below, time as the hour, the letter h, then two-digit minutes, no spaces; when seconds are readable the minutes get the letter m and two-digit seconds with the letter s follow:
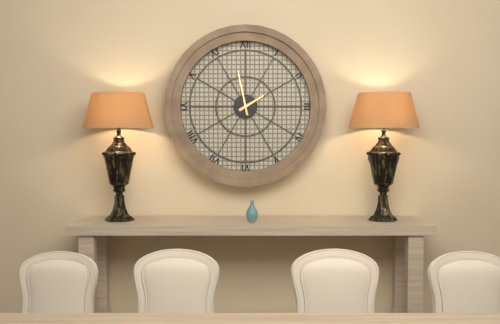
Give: 1h58
